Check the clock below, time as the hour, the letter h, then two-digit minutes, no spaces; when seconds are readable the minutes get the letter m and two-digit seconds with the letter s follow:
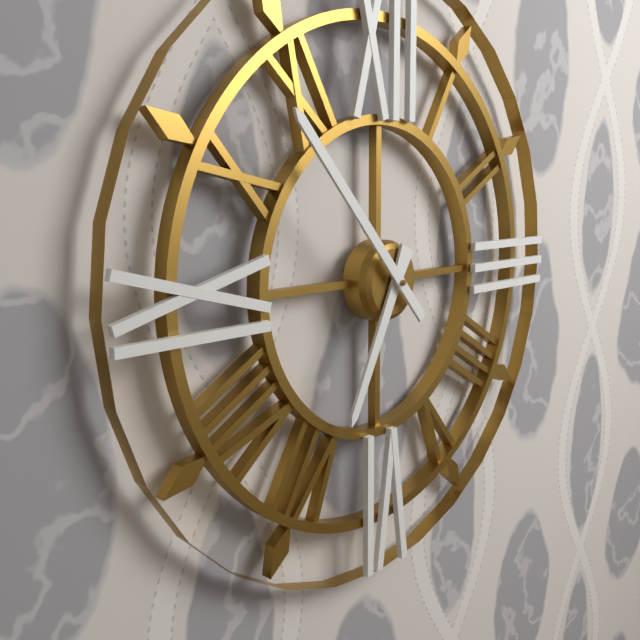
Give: 6h53
